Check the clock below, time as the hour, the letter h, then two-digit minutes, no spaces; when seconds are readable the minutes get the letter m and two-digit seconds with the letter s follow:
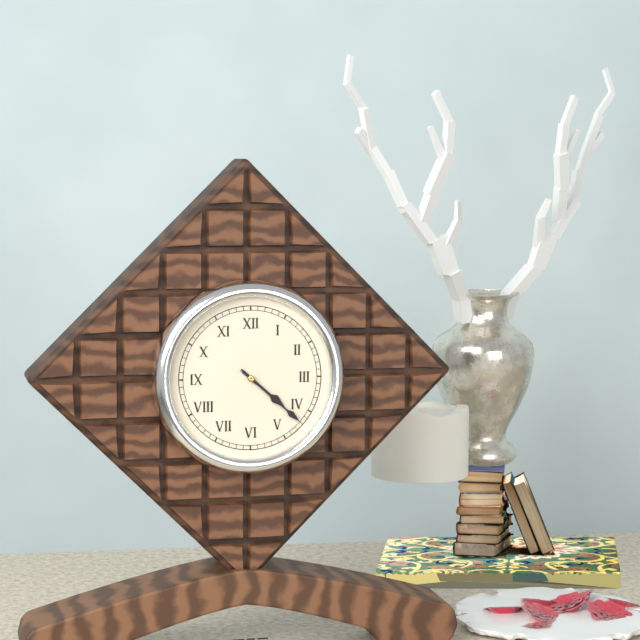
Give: 4h22
